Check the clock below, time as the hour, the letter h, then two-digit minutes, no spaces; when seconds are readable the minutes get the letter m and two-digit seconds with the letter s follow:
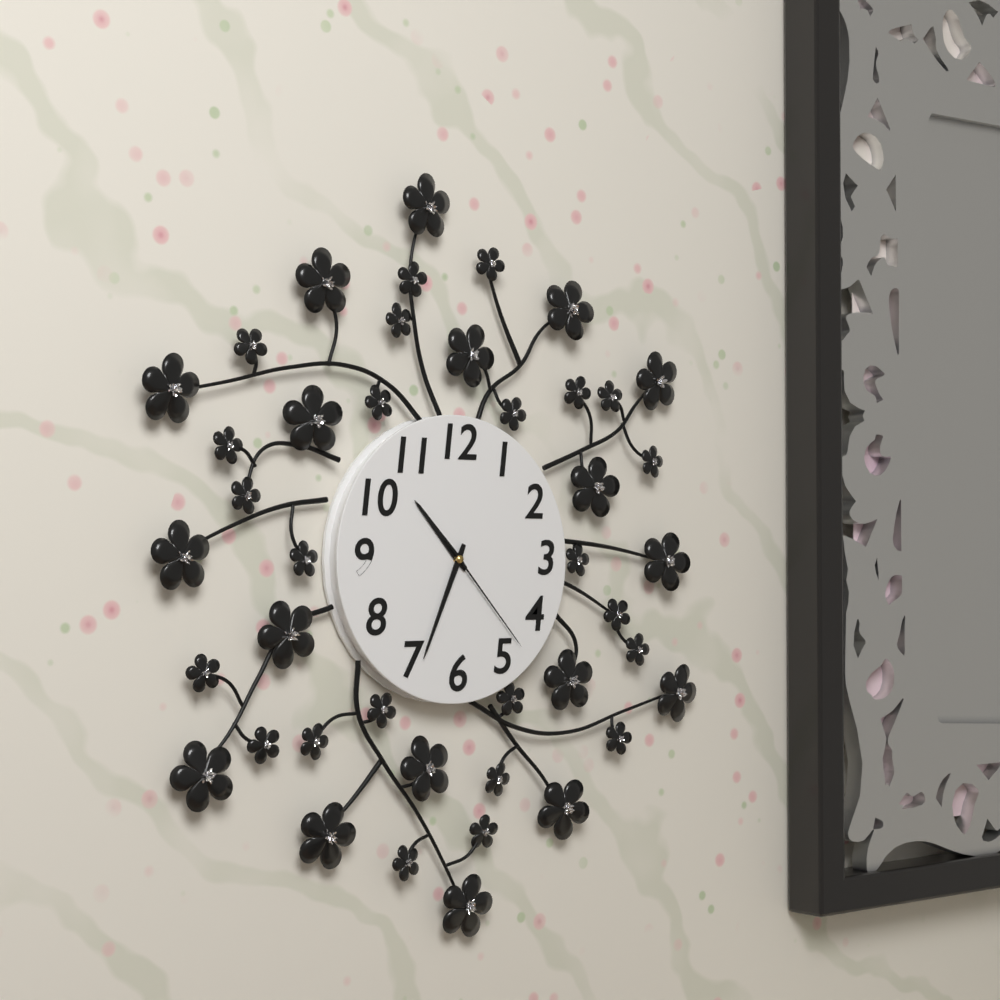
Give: 10h34m23s
